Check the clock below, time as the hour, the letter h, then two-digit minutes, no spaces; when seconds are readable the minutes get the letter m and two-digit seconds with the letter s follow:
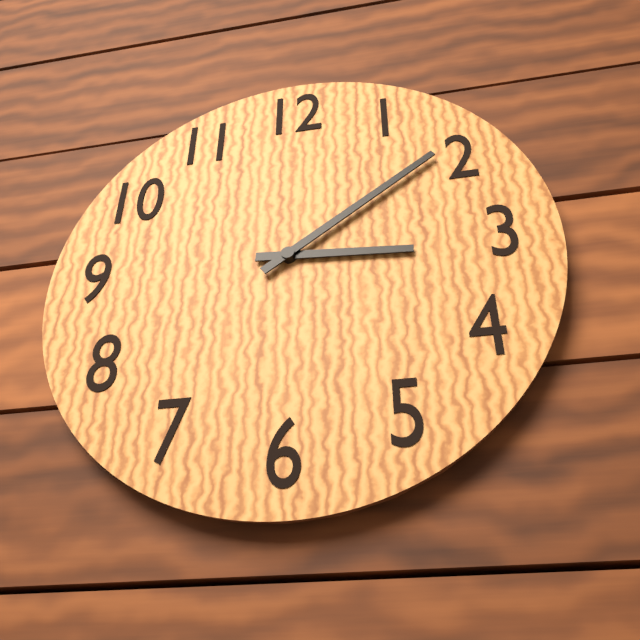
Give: 3h09
